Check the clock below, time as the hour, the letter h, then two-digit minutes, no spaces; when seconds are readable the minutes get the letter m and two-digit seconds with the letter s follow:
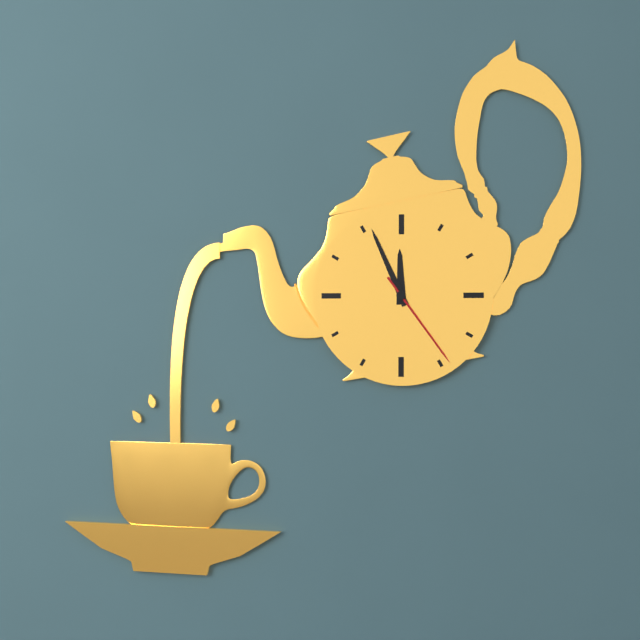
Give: 11h56m24s
